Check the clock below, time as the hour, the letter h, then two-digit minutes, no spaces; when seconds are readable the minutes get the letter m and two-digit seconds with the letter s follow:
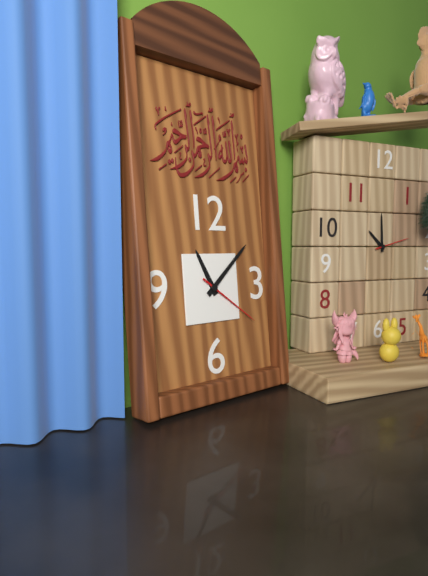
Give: 11h08m21s
